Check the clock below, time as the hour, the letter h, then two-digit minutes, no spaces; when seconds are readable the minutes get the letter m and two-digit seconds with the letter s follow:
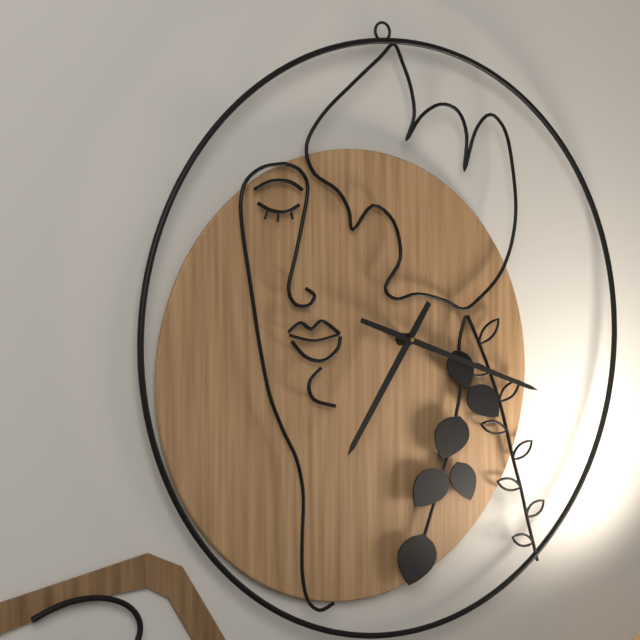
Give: 7h19
